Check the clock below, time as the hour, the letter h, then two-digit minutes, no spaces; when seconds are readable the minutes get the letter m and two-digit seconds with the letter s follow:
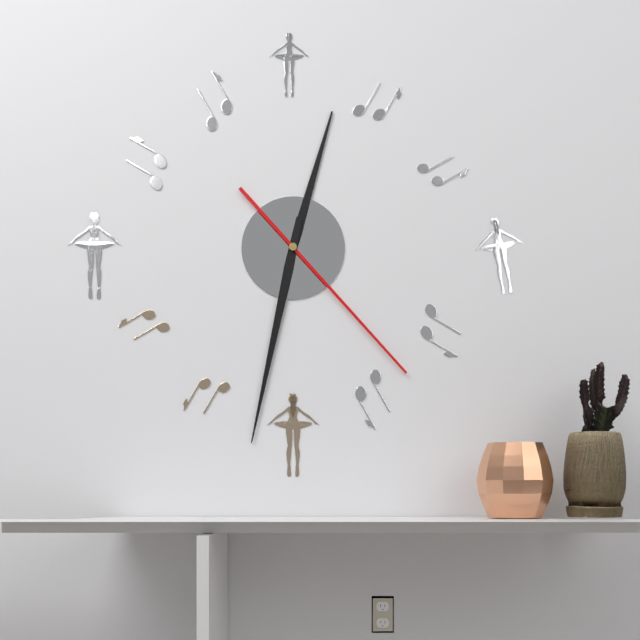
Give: 12h32m23s
